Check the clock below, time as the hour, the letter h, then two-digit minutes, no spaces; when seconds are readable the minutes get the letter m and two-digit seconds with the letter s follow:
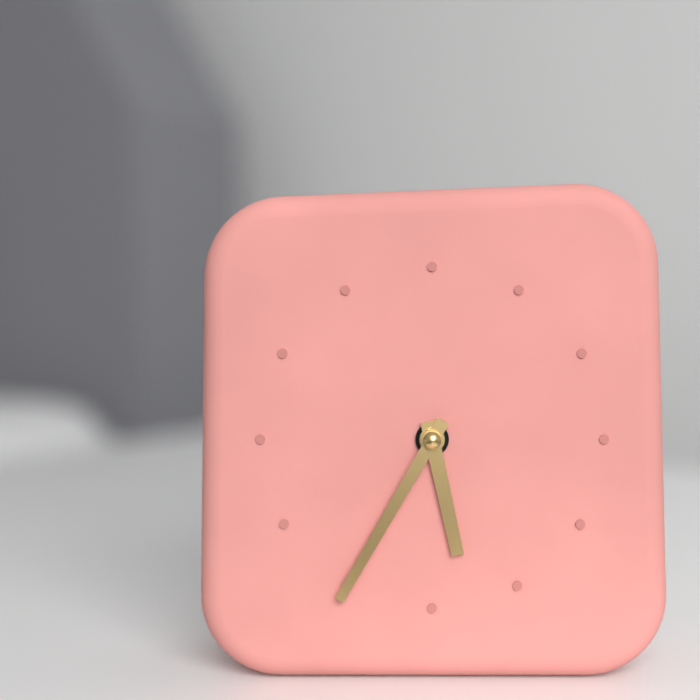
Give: 5h35
